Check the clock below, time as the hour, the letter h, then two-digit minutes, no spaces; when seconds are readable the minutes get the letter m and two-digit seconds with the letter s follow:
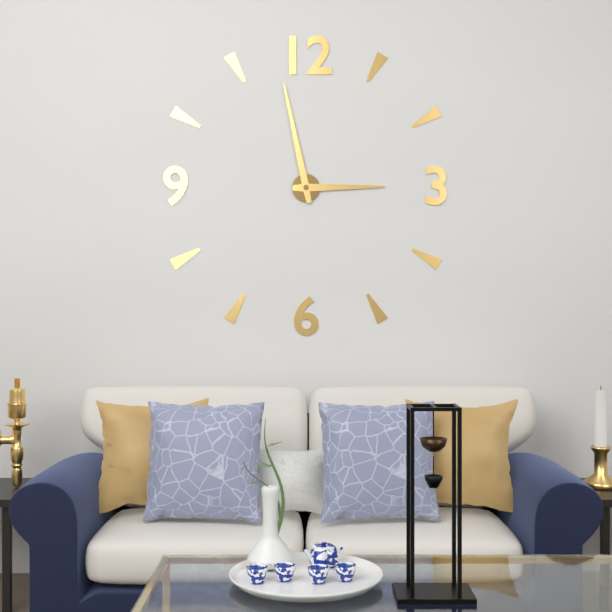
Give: 2h58
